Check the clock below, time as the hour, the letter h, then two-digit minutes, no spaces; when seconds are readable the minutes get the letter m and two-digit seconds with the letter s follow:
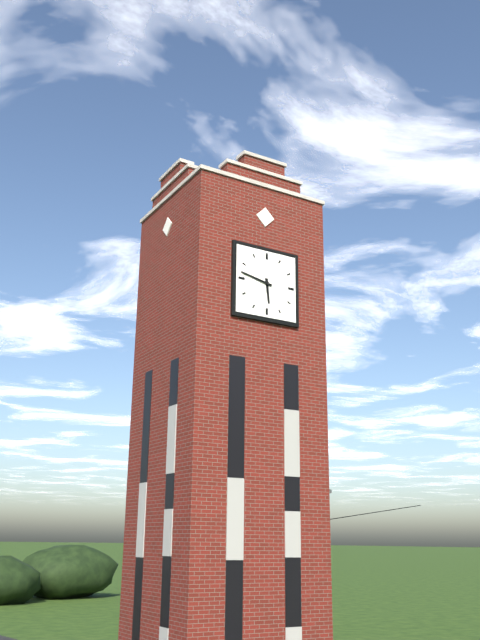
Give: 5h47
